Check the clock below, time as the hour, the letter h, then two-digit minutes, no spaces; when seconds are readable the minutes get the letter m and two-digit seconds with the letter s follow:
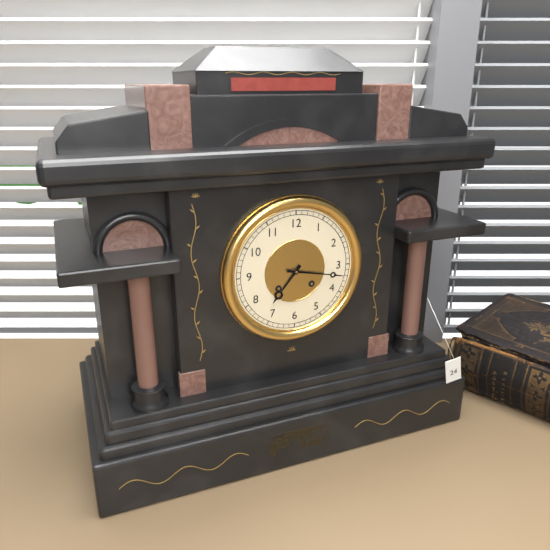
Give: 7h17
